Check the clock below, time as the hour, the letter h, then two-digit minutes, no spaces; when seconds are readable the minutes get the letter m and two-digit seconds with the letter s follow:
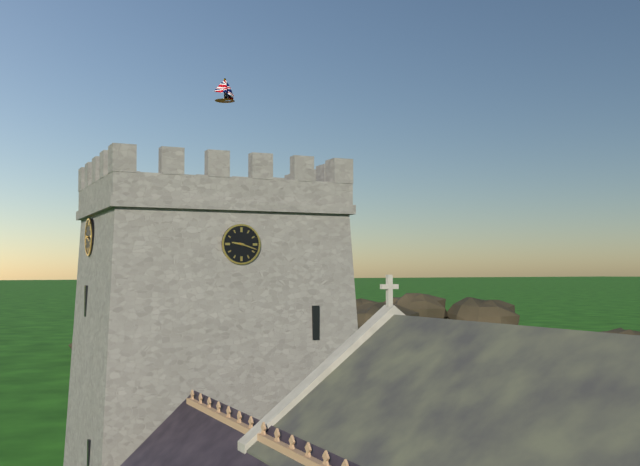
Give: 9h18
